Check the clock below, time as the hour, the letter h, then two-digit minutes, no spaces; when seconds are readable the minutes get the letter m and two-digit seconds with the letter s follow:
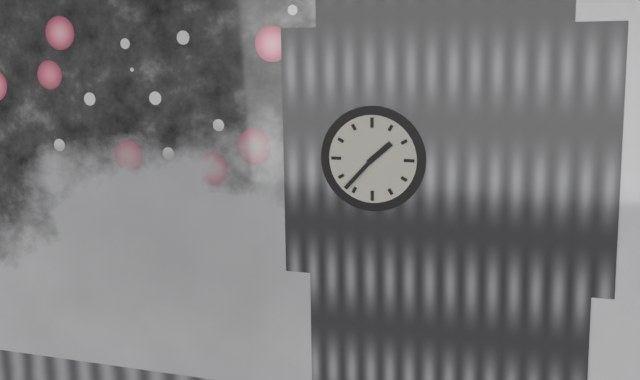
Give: 1h37
